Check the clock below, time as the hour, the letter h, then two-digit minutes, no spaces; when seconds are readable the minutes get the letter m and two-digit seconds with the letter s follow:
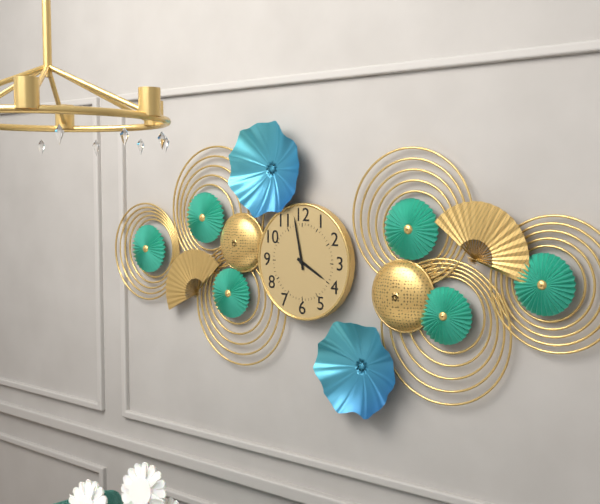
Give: 3h58
